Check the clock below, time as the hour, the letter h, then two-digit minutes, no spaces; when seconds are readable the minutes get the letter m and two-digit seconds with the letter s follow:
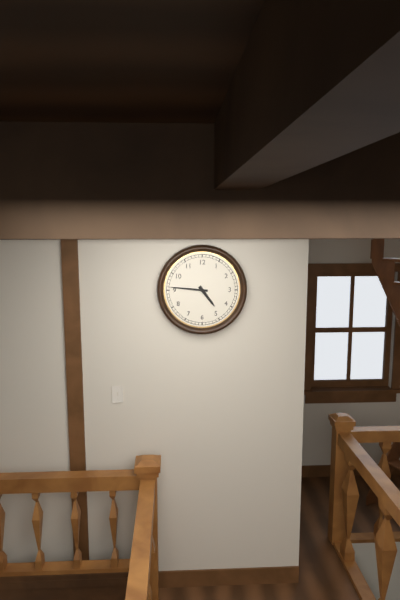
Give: 4h46
